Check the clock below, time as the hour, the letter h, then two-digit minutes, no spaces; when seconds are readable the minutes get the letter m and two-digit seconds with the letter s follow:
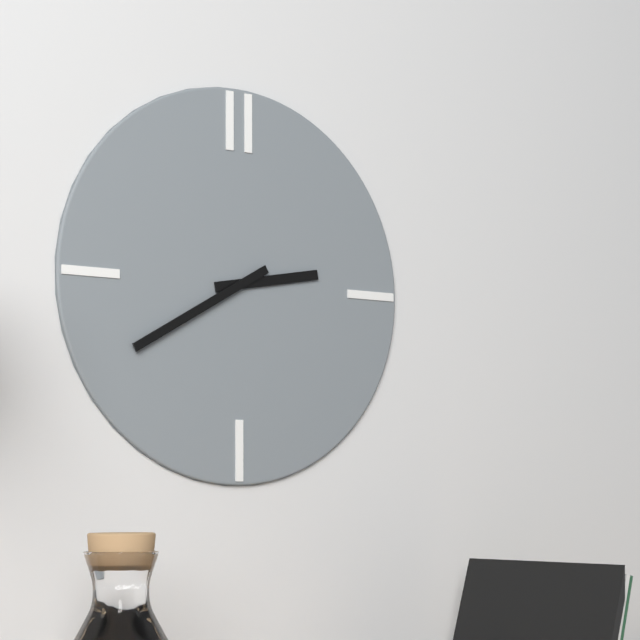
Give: 2h40
